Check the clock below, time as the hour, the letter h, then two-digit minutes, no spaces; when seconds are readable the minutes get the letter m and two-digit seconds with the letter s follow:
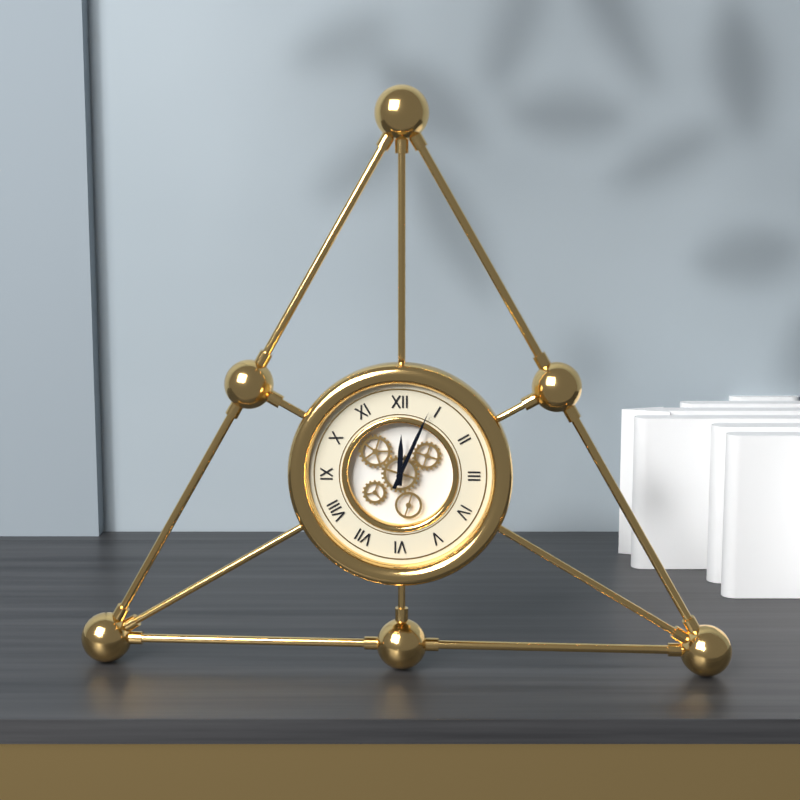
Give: 12h04
